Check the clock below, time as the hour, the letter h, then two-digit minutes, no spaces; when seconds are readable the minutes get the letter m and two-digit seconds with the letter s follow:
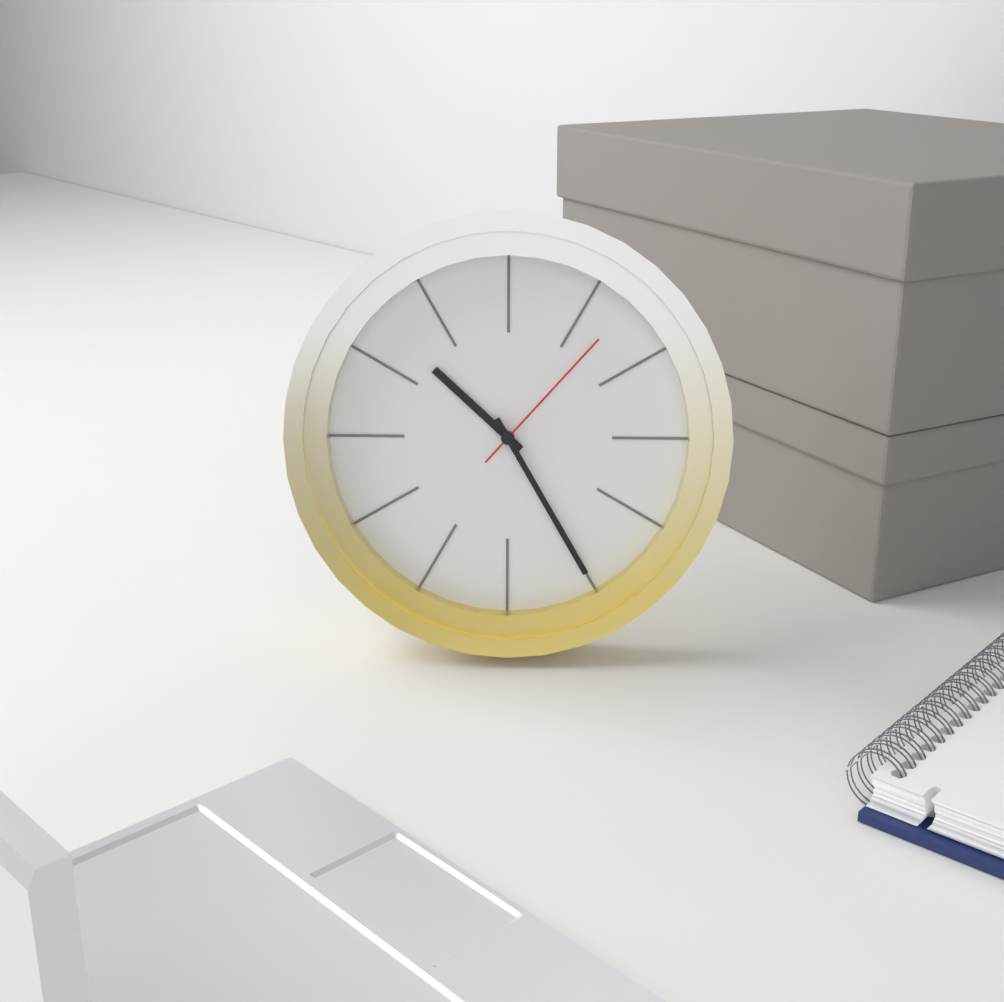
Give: 10h25m07s
